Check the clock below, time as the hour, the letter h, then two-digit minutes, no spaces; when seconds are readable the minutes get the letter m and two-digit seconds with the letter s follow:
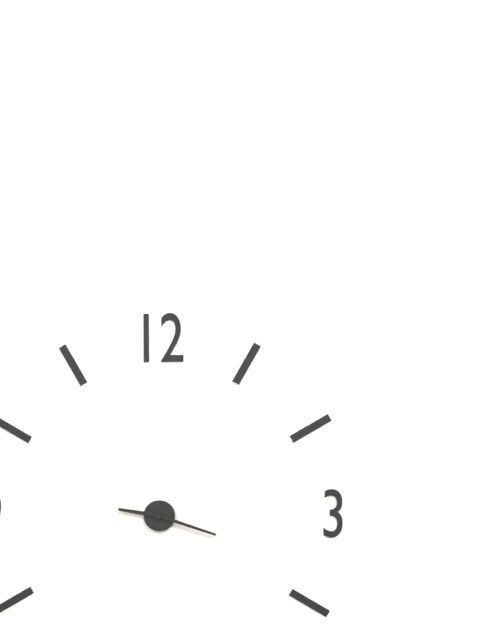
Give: 9h18
